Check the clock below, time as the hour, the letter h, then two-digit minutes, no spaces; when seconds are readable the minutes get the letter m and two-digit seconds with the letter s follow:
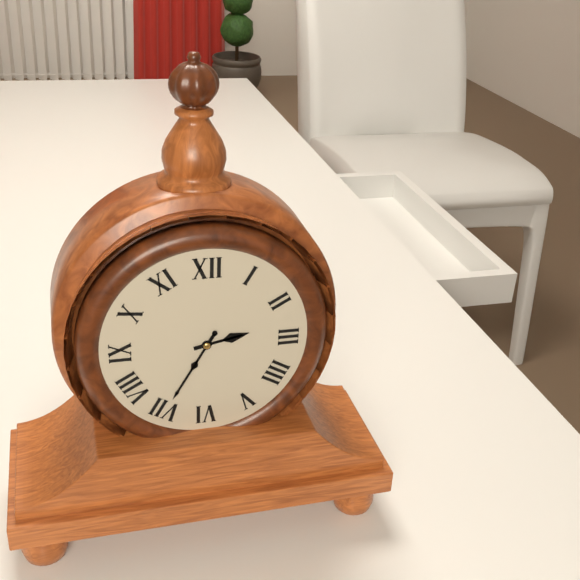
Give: 2h35
